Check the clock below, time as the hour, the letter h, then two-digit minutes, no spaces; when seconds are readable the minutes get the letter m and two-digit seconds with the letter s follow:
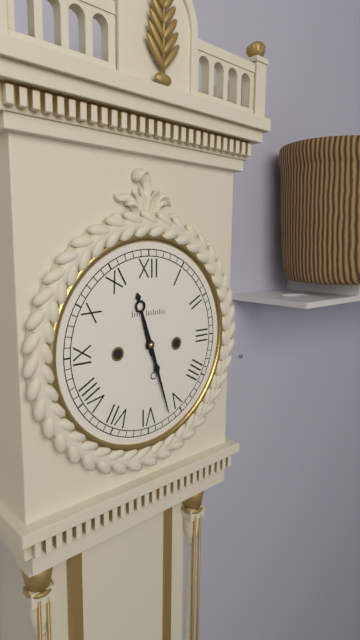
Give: 11h27
